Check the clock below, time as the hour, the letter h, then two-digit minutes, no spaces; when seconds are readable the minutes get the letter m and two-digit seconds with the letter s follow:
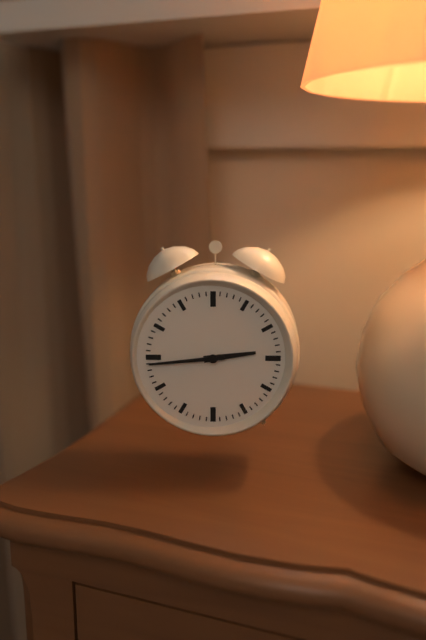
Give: 2h44
